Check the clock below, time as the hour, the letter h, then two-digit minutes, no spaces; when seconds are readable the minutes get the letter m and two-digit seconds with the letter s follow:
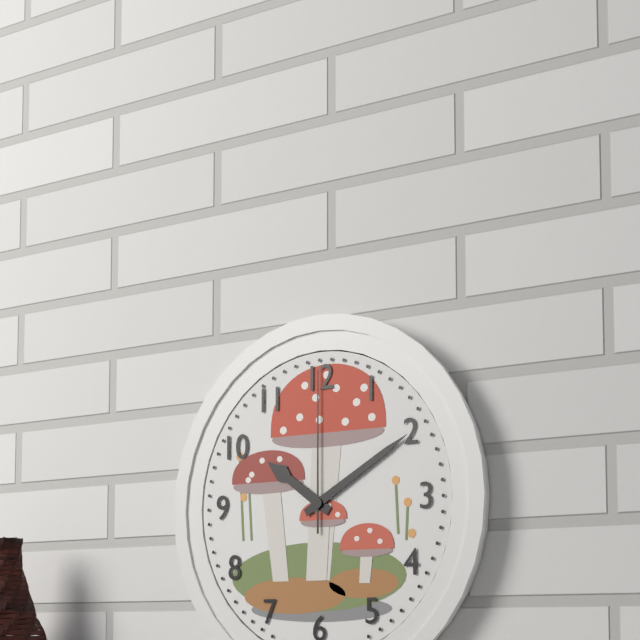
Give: 10h10m00s
